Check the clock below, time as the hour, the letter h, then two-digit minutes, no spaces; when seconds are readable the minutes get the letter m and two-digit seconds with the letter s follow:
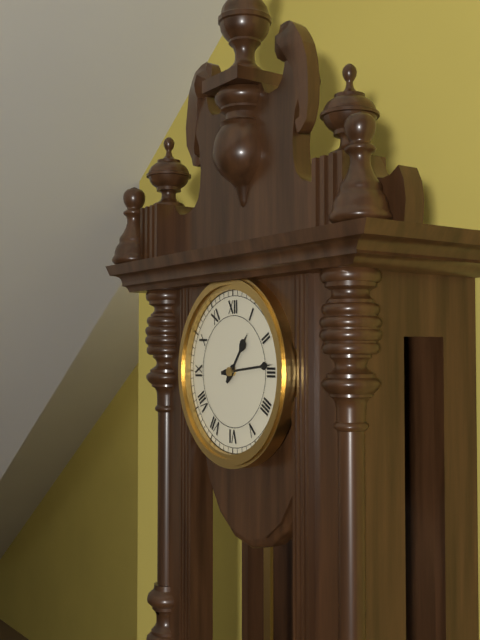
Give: 1h14
